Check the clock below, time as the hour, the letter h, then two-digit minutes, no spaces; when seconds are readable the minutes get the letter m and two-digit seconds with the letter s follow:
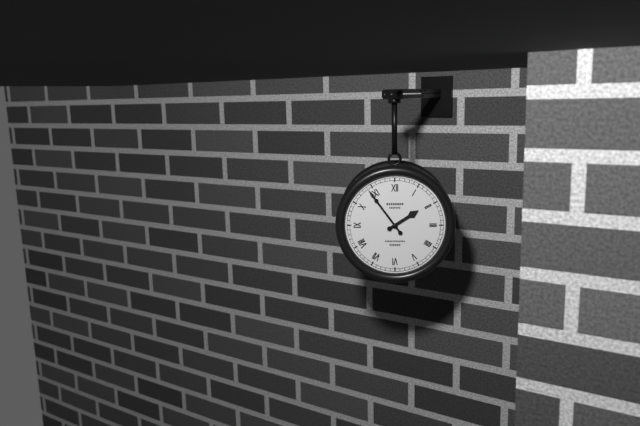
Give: 1h54
